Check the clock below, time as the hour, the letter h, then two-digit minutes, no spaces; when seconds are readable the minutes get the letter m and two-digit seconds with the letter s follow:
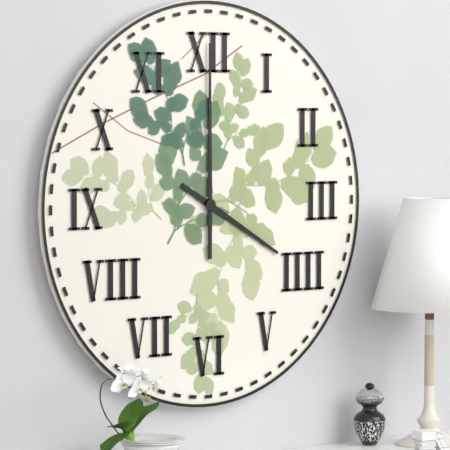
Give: 4h00
